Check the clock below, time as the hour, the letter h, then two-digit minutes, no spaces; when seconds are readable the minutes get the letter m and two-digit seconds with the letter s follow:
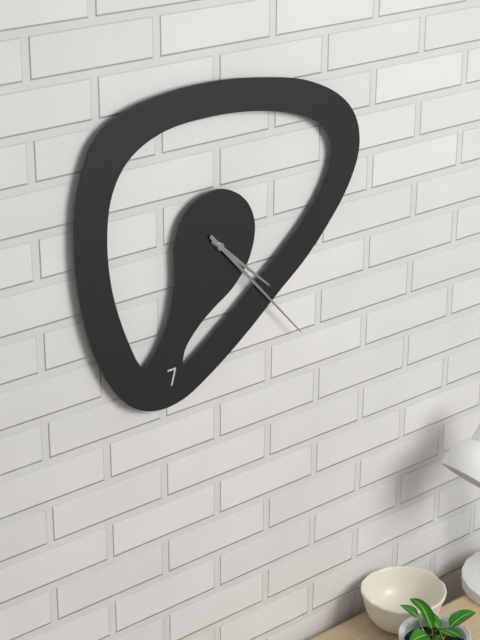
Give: 4h23
